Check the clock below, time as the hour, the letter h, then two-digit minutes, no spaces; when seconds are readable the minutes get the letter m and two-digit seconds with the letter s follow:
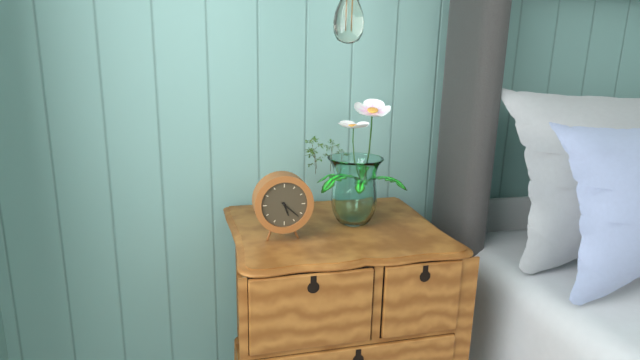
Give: 5h22
